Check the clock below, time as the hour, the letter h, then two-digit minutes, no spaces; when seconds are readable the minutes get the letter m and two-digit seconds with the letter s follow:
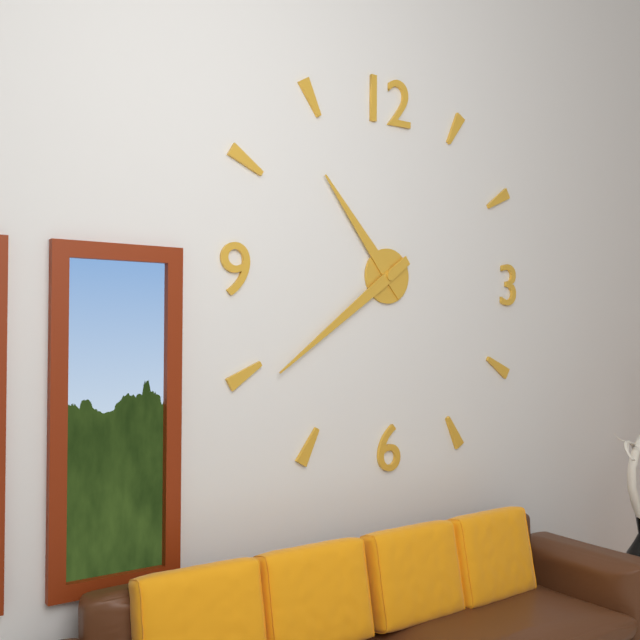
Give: 10h39
